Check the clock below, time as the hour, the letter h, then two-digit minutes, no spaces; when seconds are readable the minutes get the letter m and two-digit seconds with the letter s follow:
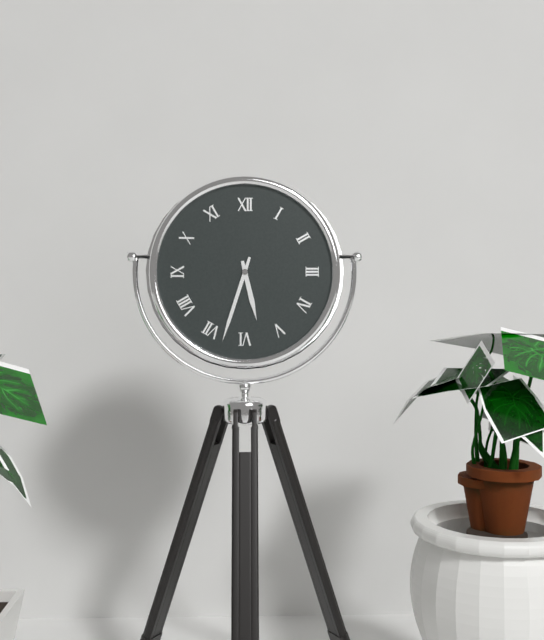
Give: 5h33
